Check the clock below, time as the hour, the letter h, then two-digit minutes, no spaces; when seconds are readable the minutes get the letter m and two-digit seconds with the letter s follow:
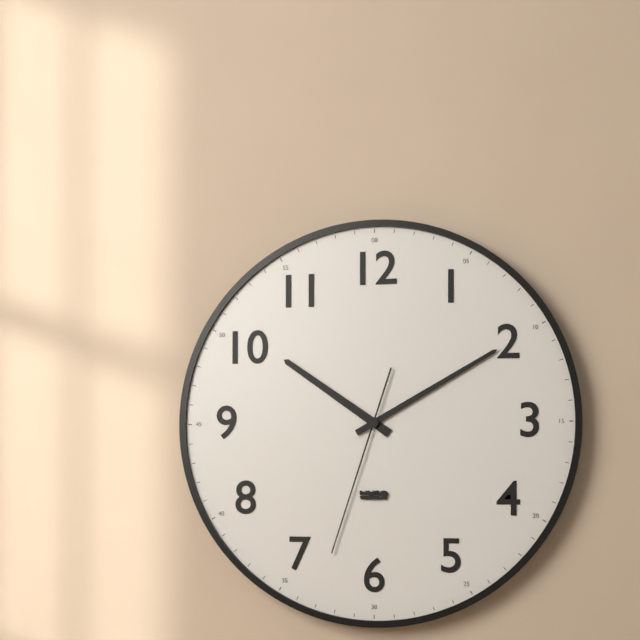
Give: 10h10m33s
